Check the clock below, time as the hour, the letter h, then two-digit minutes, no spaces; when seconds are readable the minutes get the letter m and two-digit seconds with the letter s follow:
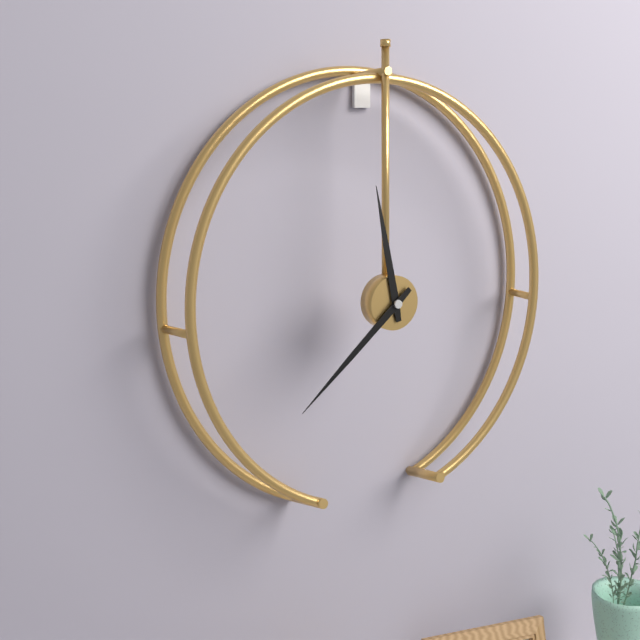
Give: 11h38
